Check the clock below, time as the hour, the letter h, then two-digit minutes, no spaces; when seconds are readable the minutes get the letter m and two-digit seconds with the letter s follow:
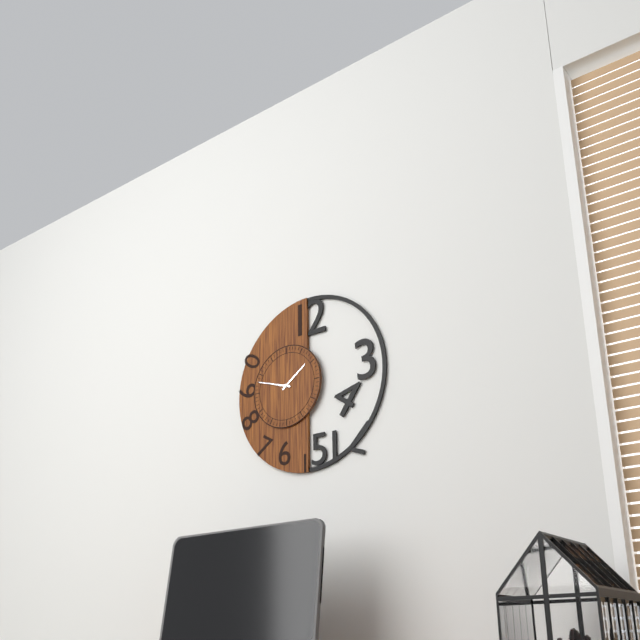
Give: 1h48
